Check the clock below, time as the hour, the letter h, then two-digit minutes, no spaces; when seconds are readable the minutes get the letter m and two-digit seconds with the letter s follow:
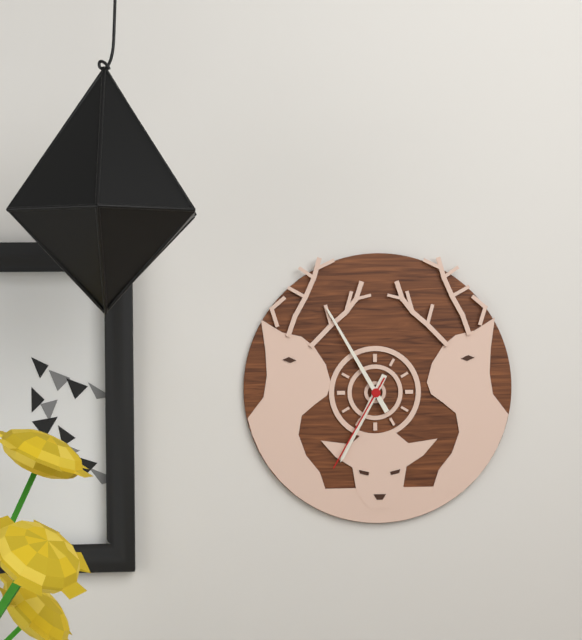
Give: 6h55m35s
